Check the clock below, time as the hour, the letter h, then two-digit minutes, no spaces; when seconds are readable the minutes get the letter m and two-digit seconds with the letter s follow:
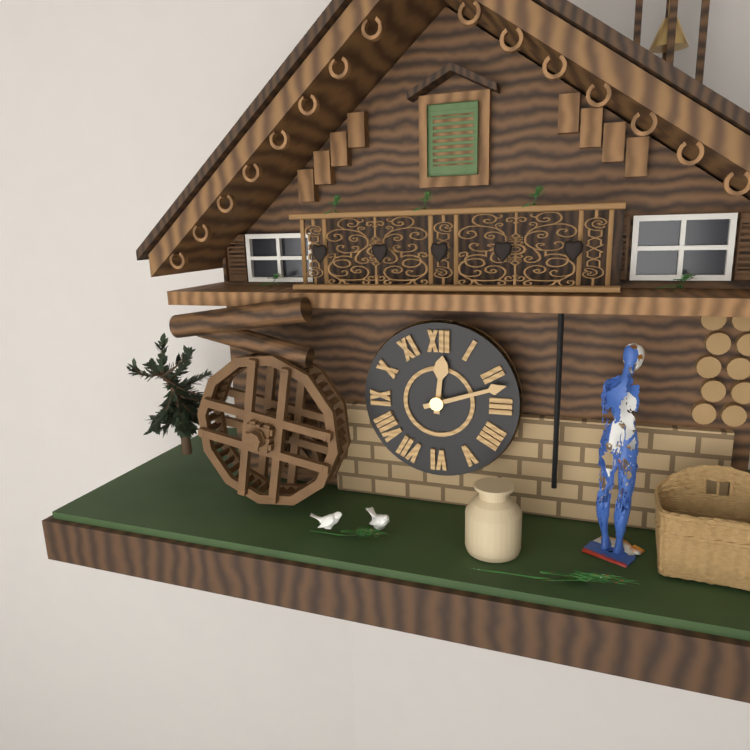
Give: 12h12
